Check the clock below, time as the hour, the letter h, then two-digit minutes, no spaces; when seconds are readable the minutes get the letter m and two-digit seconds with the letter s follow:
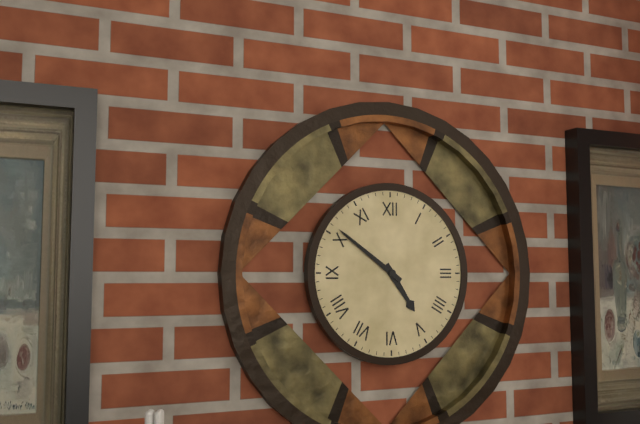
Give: 4h51
